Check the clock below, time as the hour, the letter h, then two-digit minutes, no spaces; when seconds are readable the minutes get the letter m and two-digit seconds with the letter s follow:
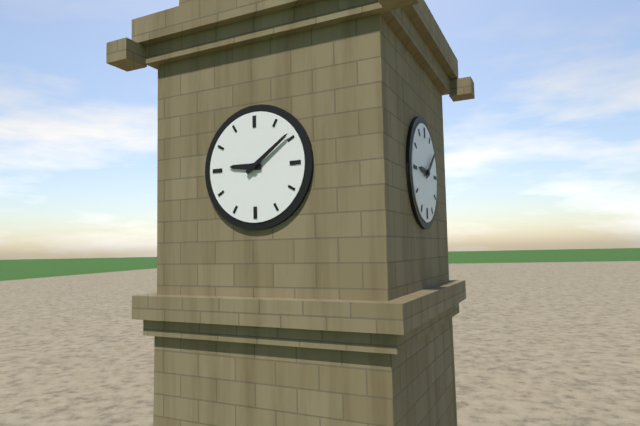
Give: 9h09
